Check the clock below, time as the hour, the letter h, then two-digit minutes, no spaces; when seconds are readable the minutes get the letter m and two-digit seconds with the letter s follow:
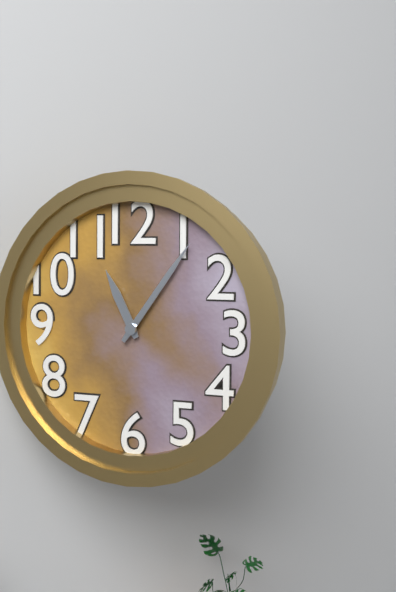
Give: 11h06
